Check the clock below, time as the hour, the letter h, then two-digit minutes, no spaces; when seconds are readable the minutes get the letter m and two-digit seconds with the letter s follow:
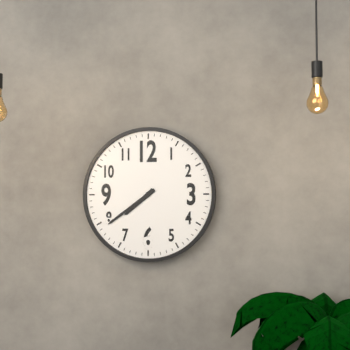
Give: 7h39
